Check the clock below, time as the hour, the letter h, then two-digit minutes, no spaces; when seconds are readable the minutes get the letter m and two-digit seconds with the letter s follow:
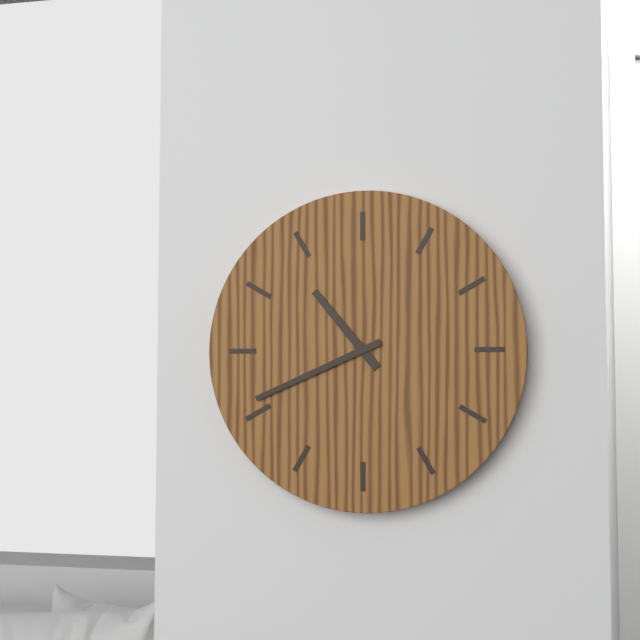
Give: 10h41
